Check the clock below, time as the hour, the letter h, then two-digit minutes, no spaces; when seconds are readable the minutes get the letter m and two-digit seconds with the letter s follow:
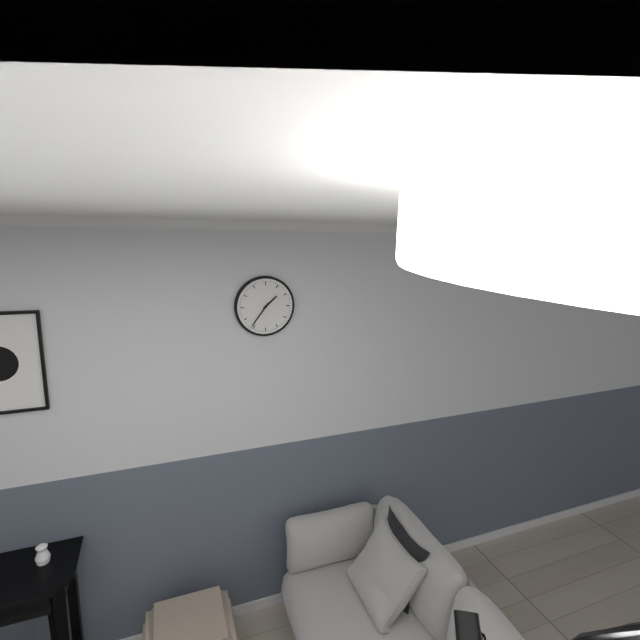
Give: 1h36
